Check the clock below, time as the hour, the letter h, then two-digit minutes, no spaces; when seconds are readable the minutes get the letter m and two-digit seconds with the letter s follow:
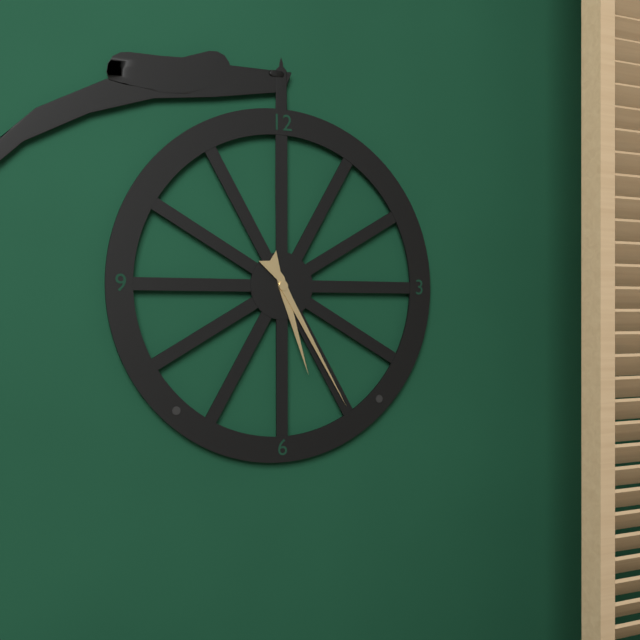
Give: 5h25
